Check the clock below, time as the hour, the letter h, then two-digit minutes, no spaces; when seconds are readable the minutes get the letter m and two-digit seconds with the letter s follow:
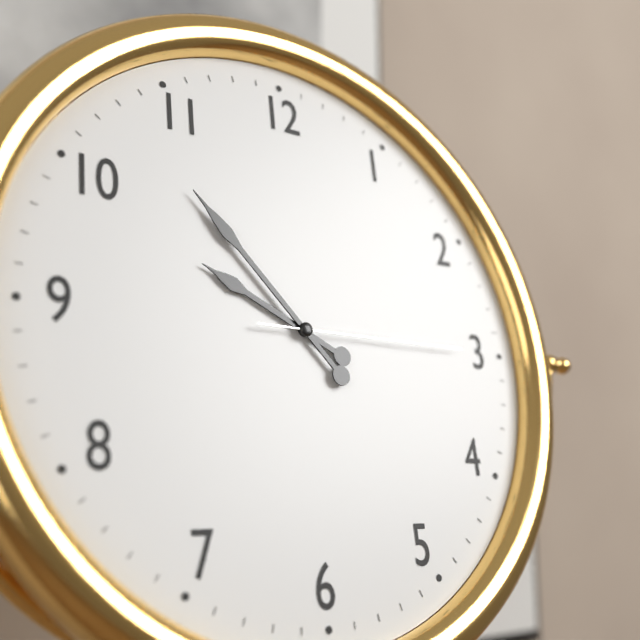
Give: 9h53m15s
